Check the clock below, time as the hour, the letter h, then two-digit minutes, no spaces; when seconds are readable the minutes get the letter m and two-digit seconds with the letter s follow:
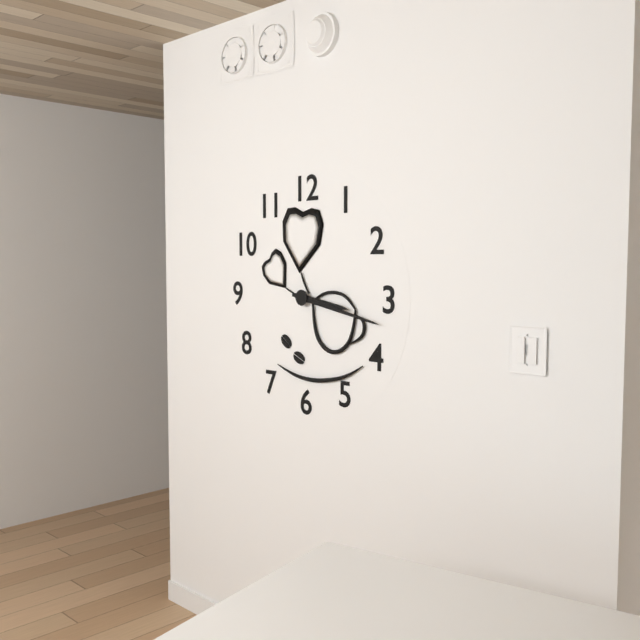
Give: 3h17
